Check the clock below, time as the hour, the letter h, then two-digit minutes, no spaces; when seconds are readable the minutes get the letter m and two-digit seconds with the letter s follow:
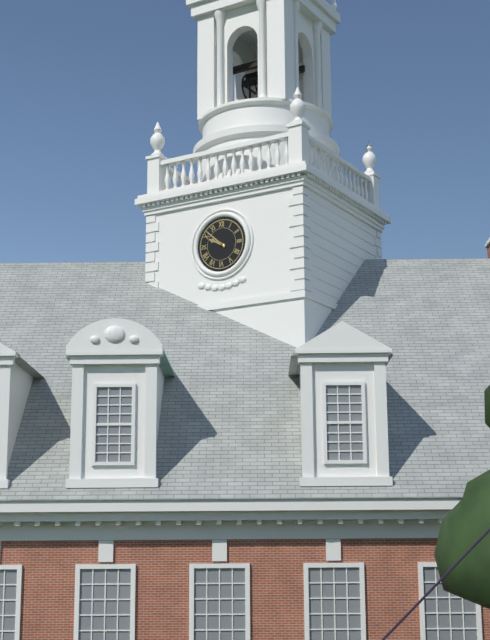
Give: 9h52
